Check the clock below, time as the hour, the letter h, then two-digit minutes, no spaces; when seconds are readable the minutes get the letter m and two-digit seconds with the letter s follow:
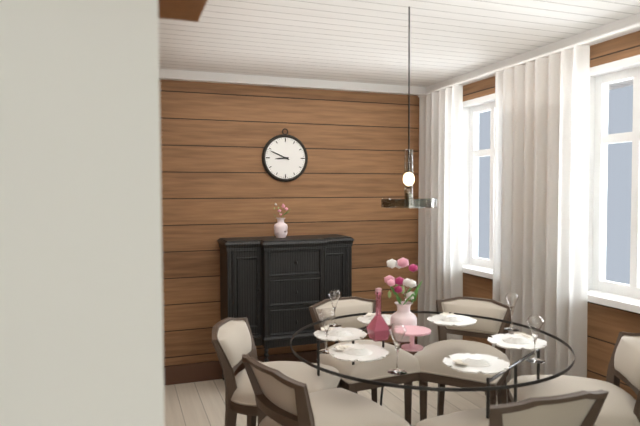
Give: 8h49
